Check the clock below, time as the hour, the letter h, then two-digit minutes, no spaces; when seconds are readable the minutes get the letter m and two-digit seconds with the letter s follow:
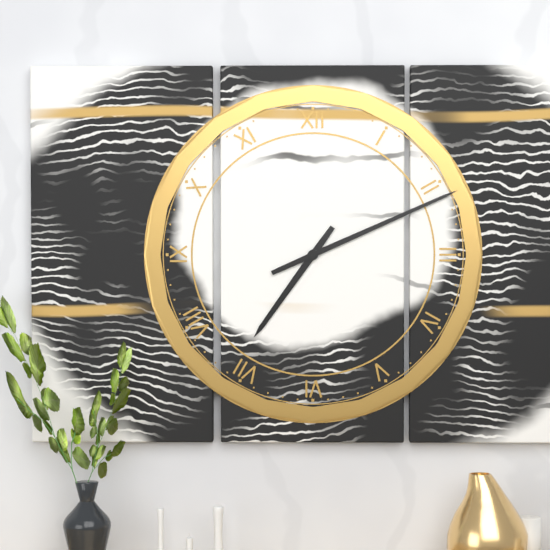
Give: 7h11
